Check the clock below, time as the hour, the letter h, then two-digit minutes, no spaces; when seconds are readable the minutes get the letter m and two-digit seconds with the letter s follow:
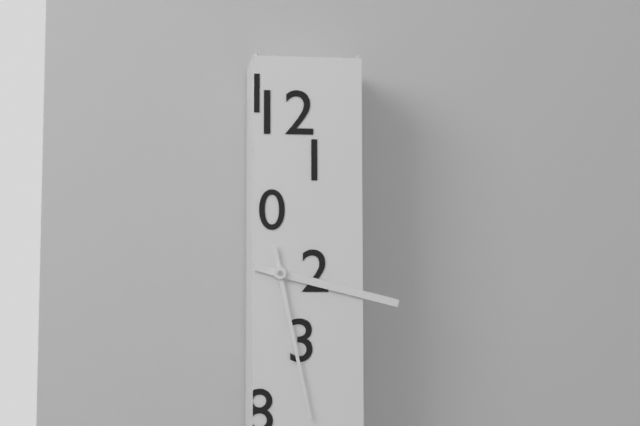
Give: 3h28
